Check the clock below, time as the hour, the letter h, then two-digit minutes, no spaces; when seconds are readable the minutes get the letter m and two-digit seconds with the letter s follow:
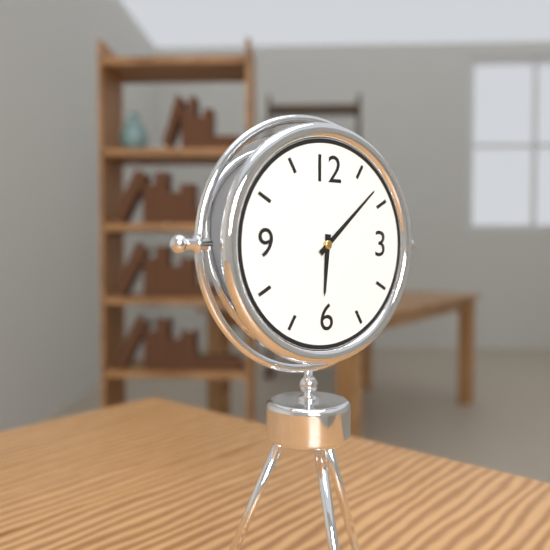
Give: 6h08
